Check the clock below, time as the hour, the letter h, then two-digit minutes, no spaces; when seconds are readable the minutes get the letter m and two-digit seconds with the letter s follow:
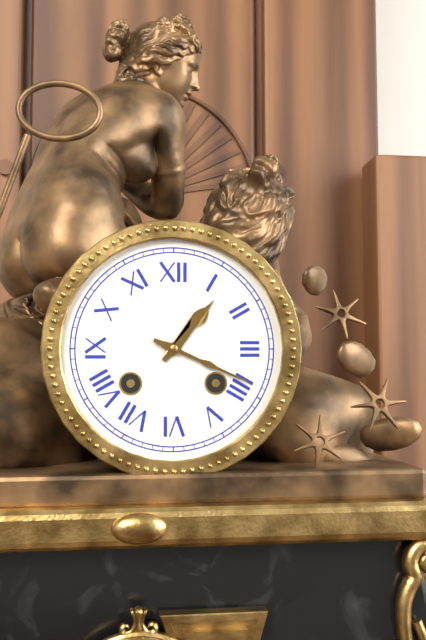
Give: 1h19
